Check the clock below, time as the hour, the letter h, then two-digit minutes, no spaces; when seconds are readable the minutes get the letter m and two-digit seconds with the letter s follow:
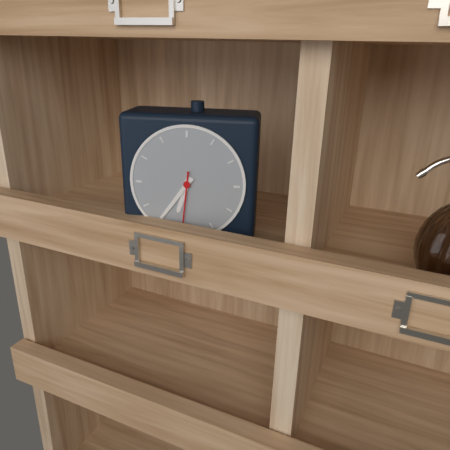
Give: 6h36m31s
